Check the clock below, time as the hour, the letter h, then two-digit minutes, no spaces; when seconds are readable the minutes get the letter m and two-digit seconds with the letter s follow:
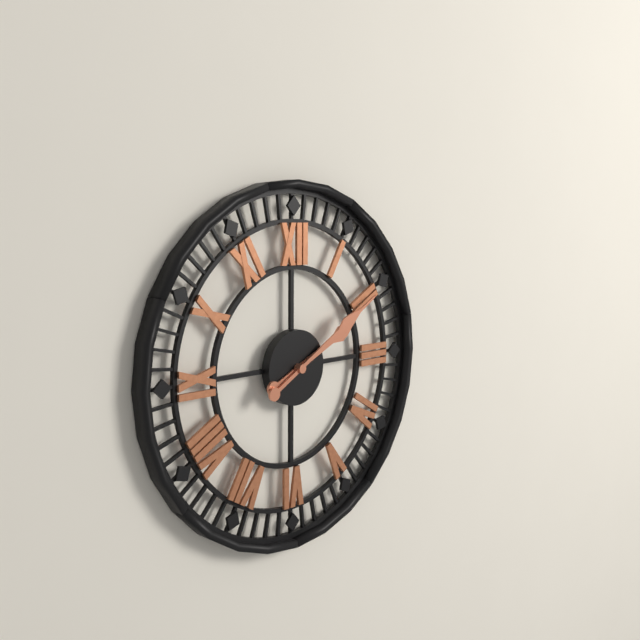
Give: 2h10
